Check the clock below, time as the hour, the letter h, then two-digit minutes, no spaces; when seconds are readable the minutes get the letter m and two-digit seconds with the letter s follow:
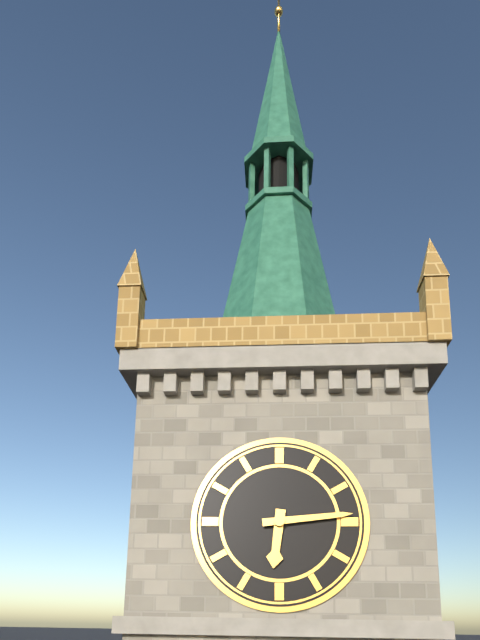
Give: 6h14
